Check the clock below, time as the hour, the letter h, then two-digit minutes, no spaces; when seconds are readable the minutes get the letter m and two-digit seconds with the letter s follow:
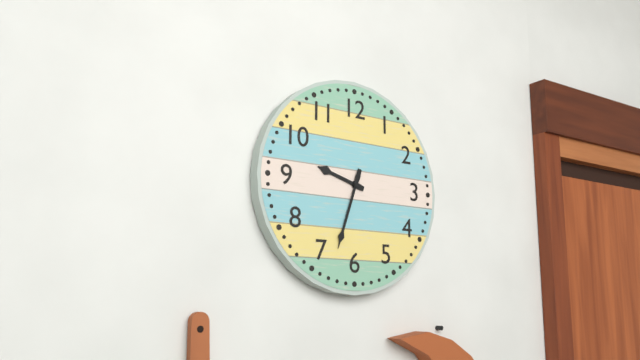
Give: 9h33
